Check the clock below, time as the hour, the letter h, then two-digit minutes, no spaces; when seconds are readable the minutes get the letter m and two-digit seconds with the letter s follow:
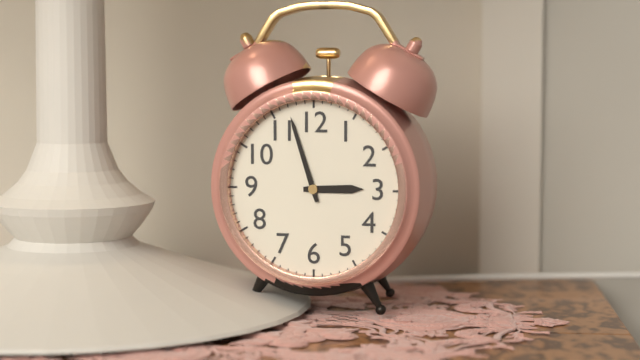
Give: 2h57
